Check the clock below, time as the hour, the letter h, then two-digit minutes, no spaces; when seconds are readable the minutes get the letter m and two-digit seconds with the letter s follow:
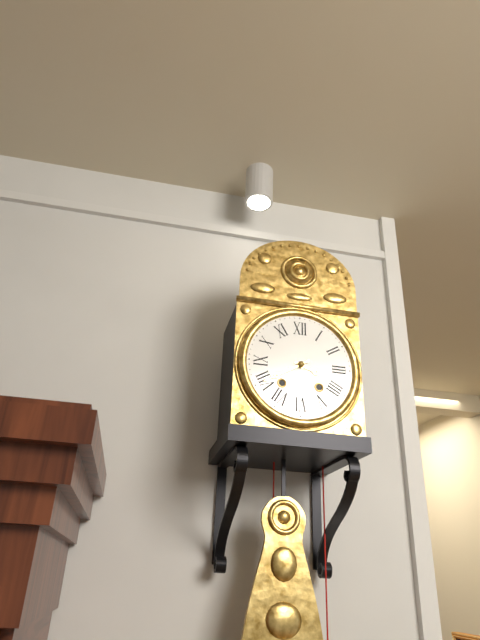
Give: 3h40
